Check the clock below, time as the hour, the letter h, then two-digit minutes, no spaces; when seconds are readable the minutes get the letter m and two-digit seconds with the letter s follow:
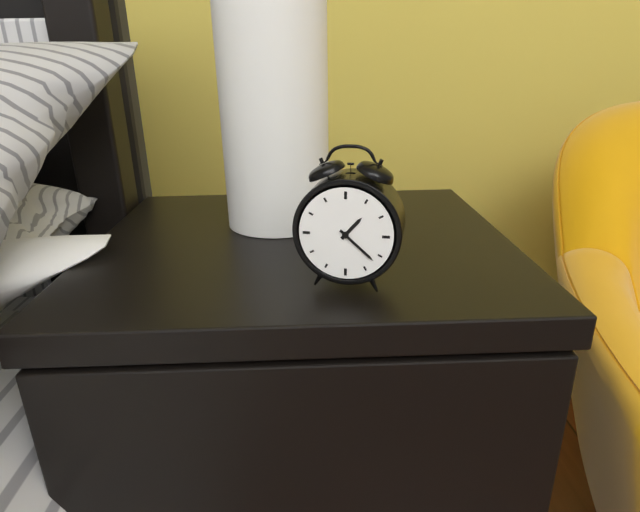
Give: 1h22
